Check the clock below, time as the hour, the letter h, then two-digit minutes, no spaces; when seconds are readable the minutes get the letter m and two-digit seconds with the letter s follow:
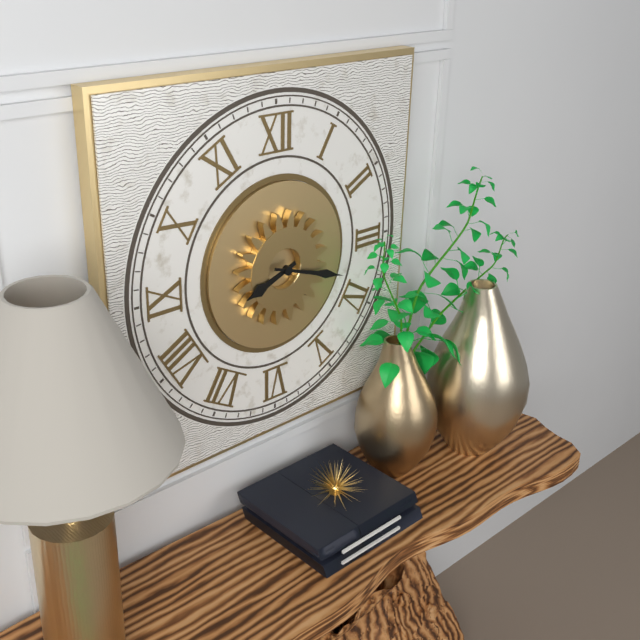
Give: 8h18
